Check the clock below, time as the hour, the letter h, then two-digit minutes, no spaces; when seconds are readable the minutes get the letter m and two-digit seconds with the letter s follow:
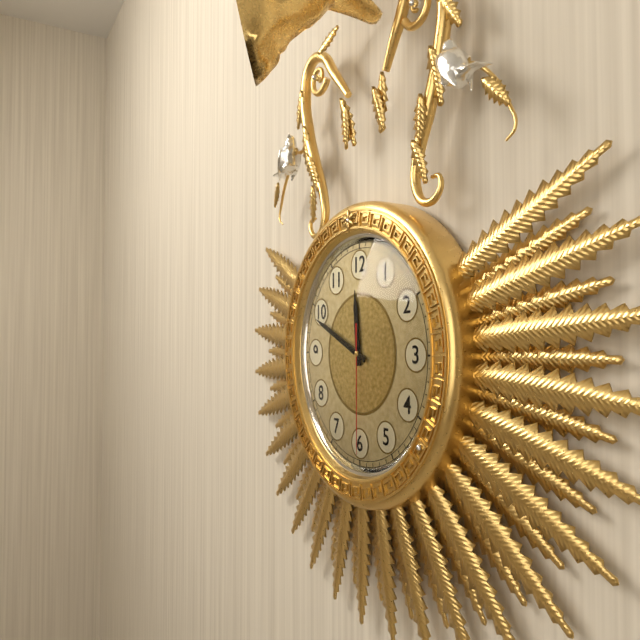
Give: 11h49m30s
